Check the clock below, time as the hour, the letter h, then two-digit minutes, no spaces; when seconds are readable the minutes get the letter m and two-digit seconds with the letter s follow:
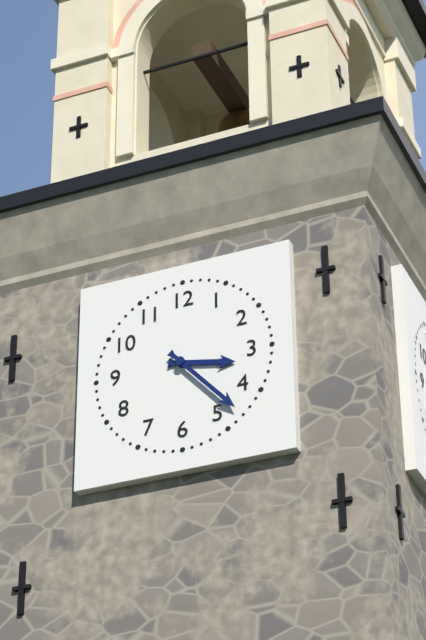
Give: 3h23
